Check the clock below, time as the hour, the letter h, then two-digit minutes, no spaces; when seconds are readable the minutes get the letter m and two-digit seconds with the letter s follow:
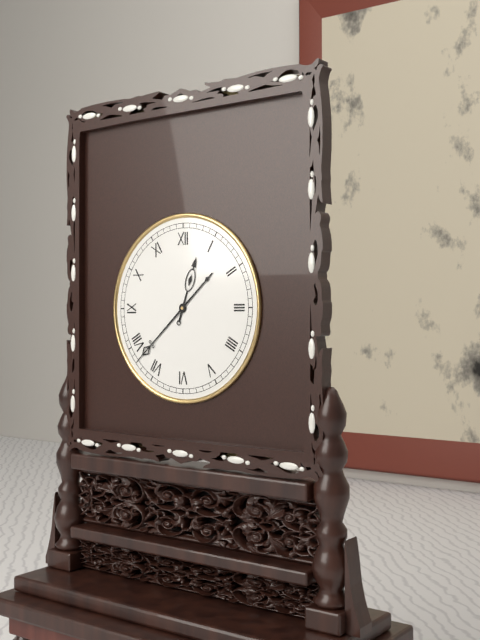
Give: 12h38
